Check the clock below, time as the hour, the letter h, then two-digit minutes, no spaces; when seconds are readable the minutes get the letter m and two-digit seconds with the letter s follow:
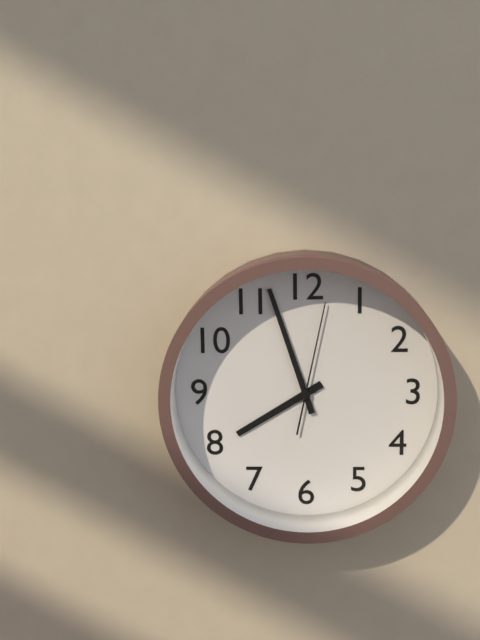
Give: 7h57m02s
